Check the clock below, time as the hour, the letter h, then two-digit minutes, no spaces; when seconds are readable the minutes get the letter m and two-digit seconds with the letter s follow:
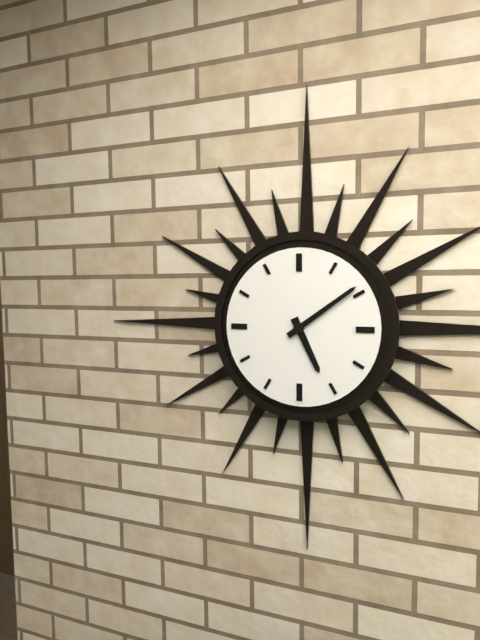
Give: 5h09
